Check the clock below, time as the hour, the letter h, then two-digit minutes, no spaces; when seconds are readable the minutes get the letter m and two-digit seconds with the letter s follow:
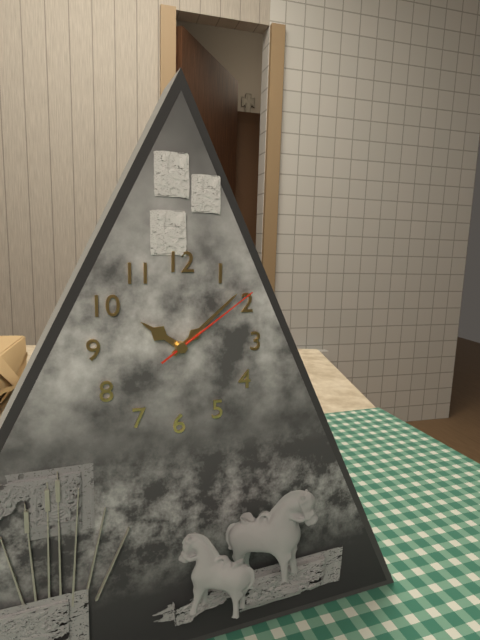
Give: 10h08m09s
